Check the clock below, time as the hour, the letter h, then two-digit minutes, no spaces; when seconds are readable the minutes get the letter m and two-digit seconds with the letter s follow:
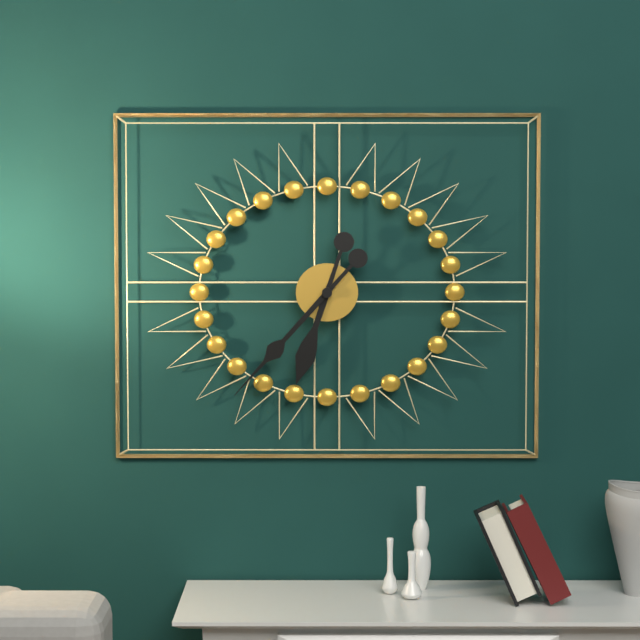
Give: 6h37
